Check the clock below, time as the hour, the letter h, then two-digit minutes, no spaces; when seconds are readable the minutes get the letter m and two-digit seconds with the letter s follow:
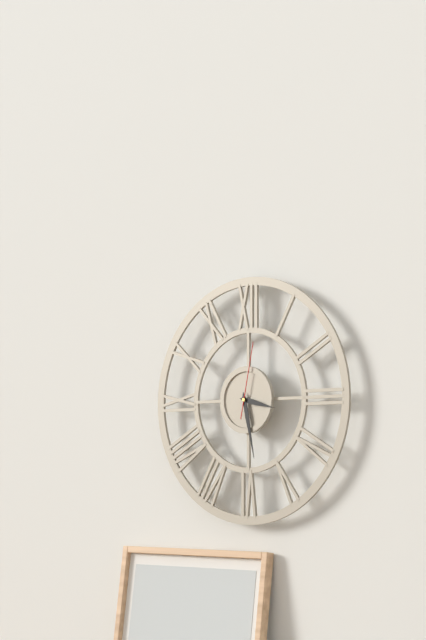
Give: 3h28m02s
